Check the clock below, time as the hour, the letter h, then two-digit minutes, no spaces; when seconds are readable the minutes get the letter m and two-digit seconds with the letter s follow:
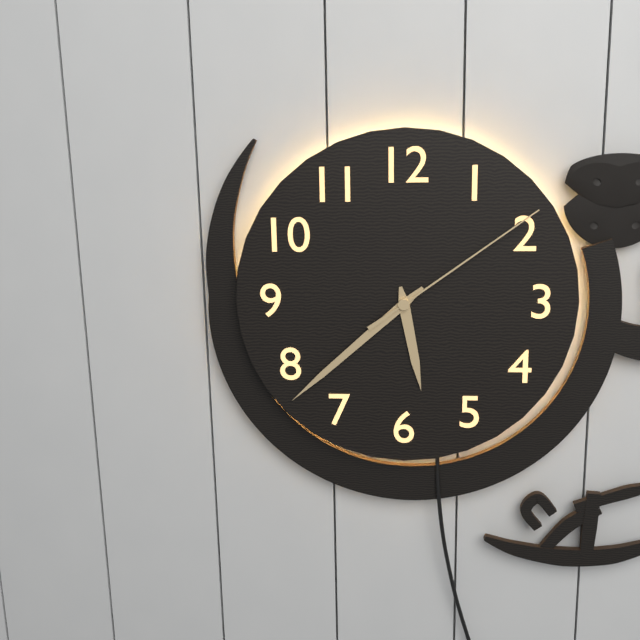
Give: 5h38m09s
